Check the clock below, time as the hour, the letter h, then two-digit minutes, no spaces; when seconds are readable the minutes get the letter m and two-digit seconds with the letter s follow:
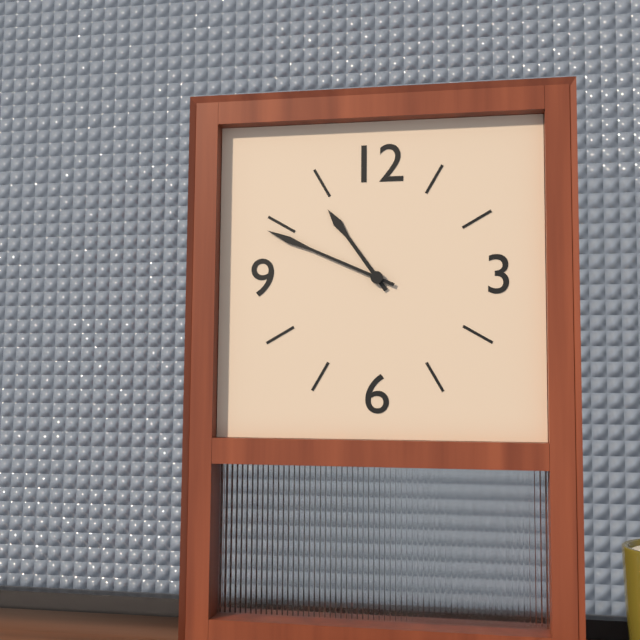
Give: 10h49
